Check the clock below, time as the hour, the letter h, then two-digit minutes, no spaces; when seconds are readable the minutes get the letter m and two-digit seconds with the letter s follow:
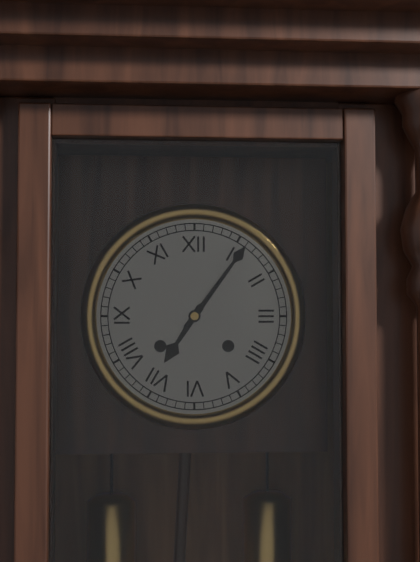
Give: 7h06
